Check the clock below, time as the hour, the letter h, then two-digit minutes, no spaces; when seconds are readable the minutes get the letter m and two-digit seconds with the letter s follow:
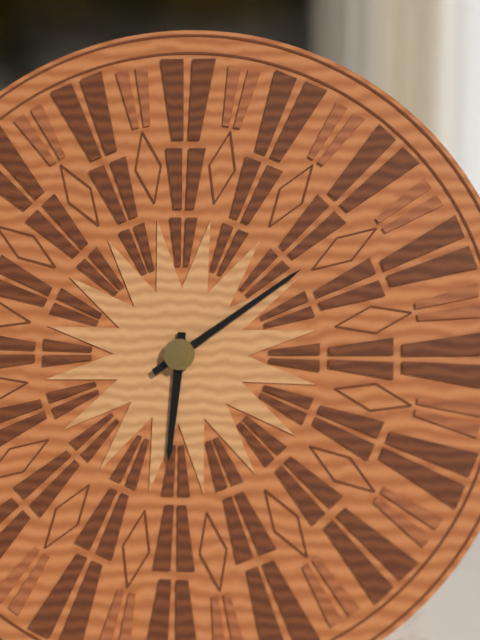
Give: 6h09
